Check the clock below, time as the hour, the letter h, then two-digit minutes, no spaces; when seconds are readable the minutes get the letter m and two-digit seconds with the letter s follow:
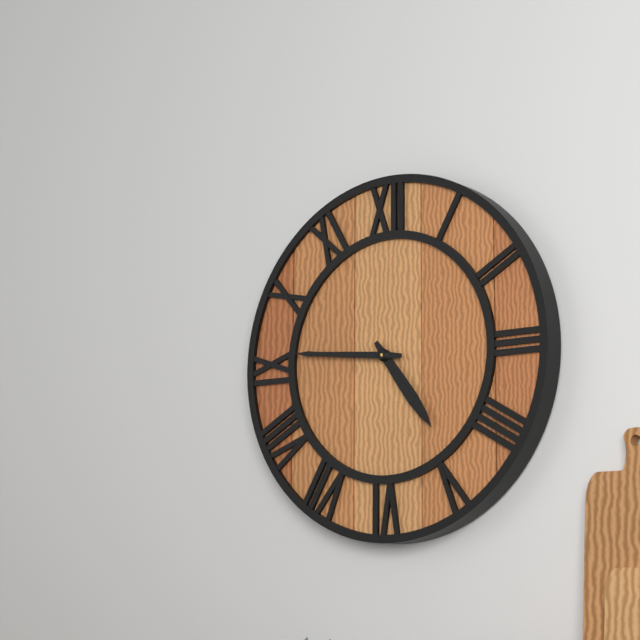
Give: 4h46
